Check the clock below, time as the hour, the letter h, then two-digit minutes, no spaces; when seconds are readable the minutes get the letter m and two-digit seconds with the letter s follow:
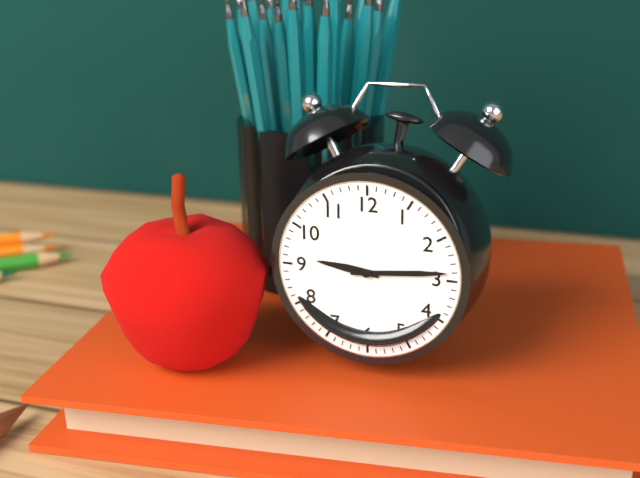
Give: 9h14
